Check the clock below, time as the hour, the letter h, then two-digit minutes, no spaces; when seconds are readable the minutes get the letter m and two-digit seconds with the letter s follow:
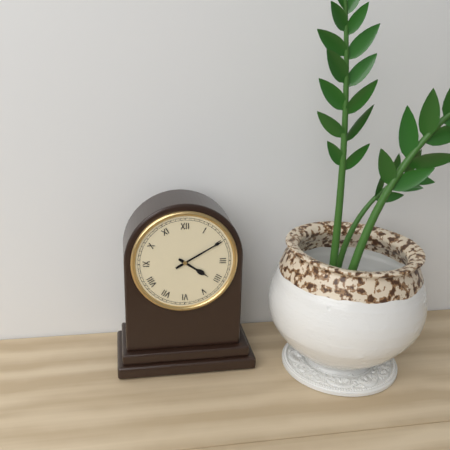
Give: 4h10
